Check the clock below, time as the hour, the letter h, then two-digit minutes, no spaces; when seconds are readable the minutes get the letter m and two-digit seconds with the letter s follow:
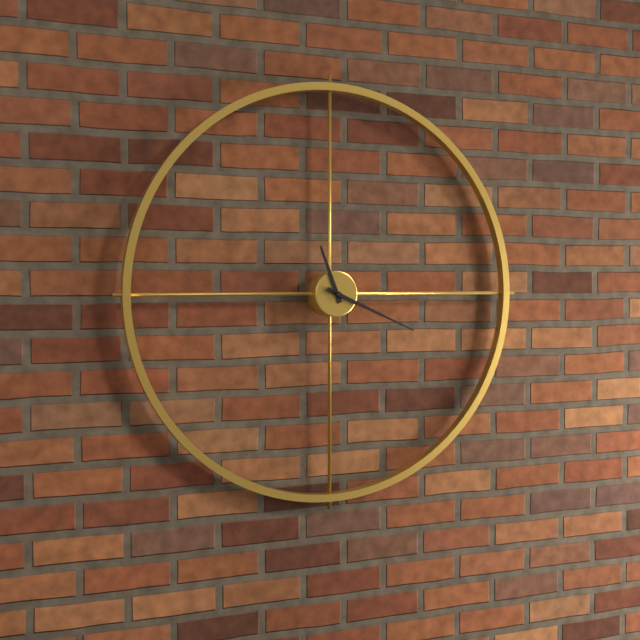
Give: 11h19
